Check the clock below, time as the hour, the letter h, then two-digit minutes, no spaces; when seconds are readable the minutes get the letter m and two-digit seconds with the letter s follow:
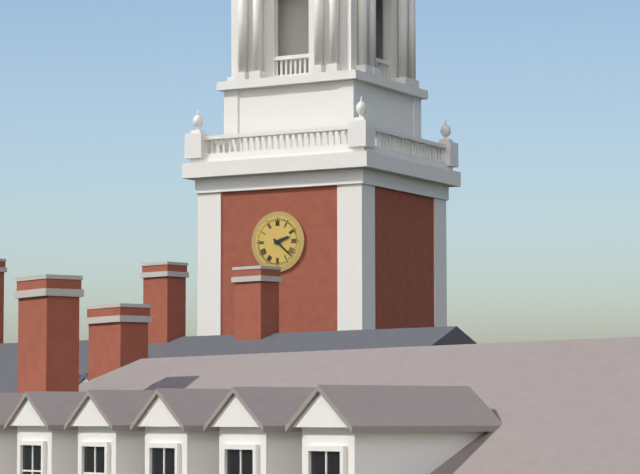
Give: 2h22
